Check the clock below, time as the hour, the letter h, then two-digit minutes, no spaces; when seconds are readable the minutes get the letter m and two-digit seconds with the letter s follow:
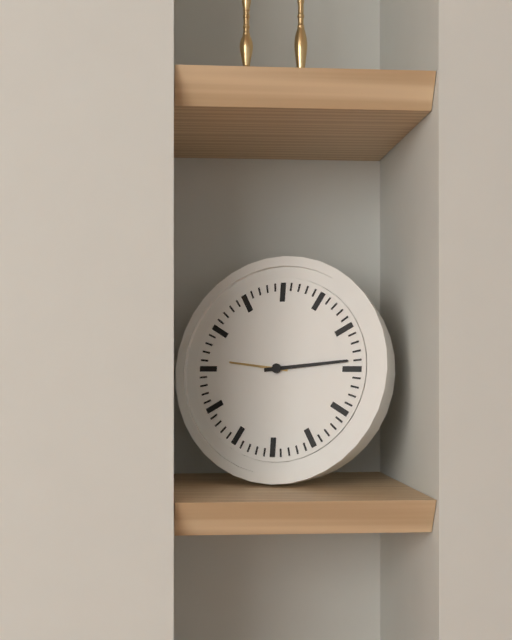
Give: 9h14
